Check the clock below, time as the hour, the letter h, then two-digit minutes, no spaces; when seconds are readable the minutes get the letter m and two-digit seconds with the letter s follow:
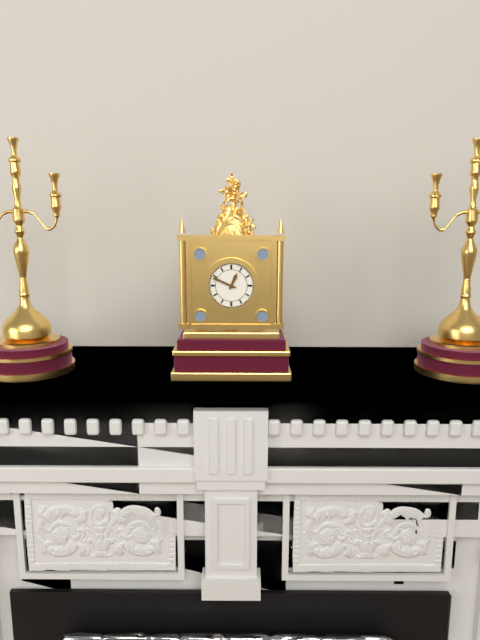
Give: 12h49
